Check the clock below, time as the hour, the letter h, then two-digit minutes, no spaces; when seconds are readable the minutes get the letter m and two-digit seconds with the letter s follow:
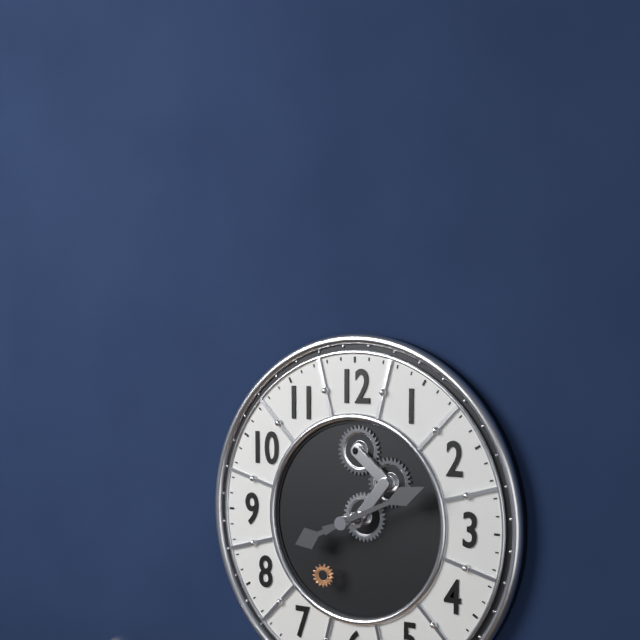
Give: 8h11
